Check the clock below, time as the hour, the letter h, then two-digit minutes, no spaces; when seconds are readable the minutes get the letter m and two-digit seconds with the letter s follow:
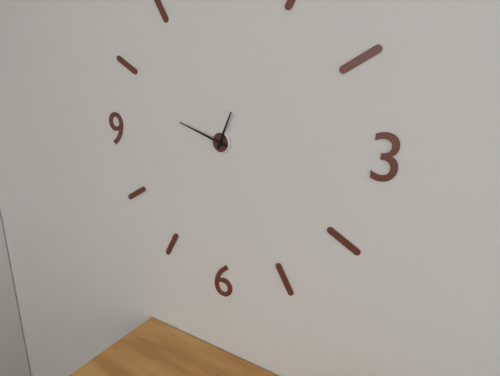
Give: 12h48
